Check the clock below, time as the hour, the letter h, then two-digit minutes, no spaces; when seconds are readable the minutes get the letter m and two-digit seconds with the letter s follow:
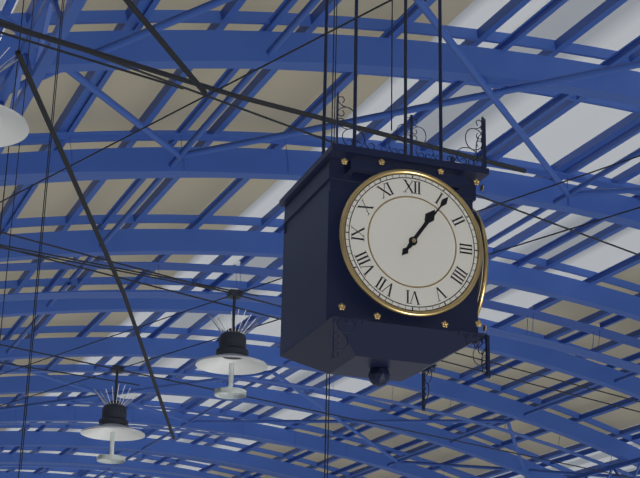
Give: 1h06
